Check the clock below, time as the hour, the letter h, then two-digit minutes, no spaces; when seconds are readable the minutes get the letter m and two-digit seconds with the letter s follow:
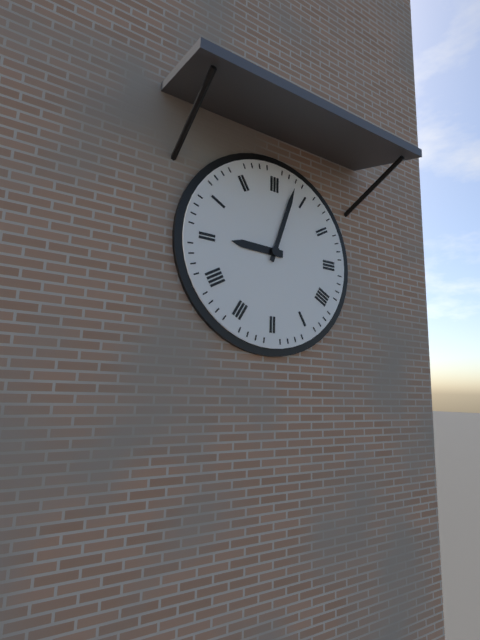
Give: 9h03
